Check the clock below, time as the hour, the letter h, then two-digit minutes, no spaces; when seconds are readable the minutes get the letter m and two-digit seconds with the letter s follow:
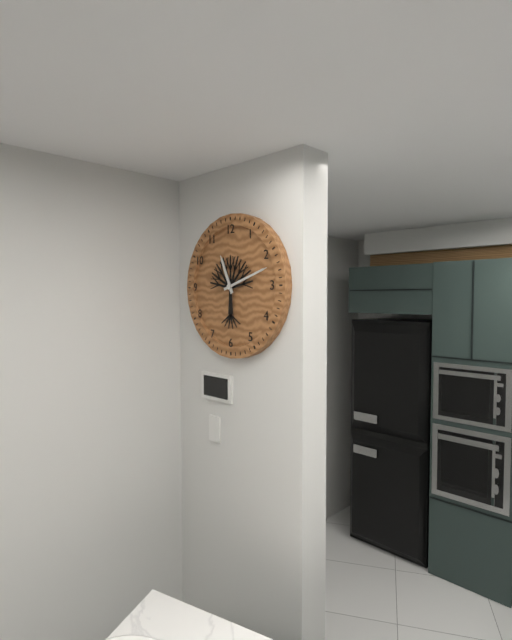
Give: 11h12
